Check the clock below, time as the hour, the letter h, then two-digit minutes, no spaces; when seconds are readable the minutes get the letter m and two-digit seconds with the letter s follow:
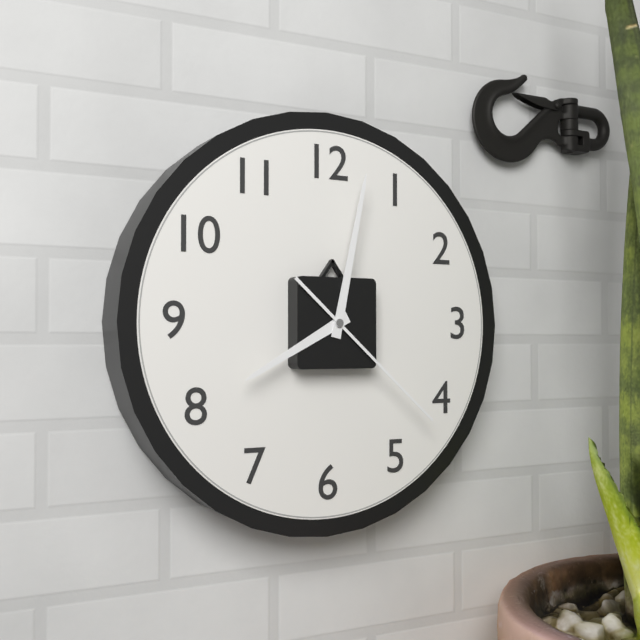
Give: 8h02m22s
